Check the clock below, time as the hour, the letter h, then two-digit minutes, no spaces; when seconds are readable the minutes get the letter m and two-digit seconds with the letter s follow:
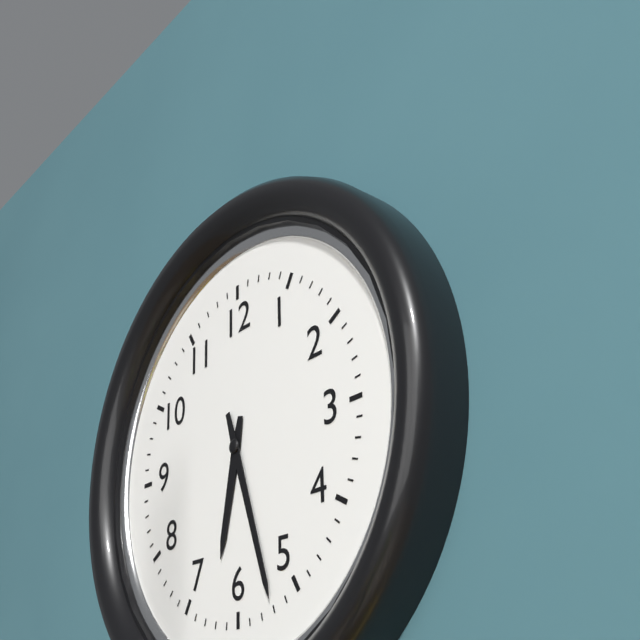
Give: 6h27
